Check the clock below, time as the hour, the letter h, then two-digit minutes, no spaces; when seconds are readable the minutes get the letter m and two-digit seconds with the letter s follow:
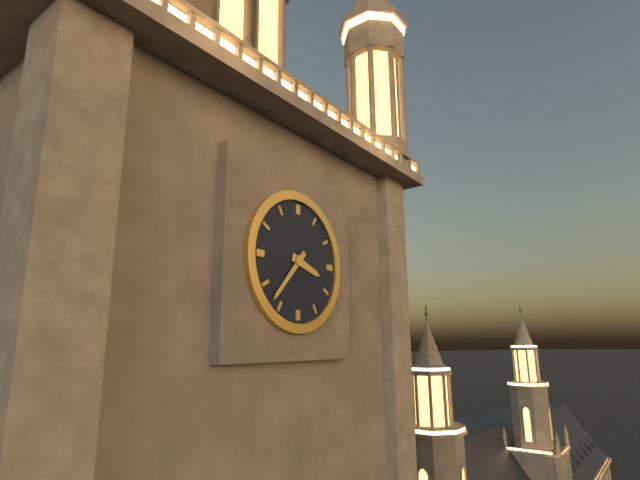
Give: 3h37
